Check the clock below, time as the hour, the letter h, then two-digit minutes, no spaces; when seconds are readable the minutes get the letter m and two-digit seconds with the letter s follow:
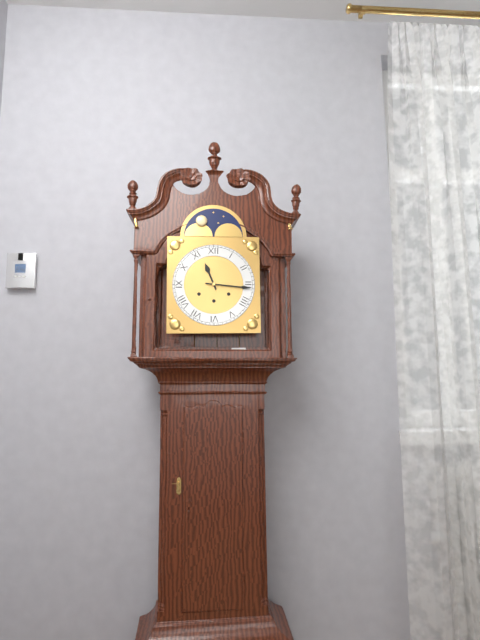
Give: 11h16
